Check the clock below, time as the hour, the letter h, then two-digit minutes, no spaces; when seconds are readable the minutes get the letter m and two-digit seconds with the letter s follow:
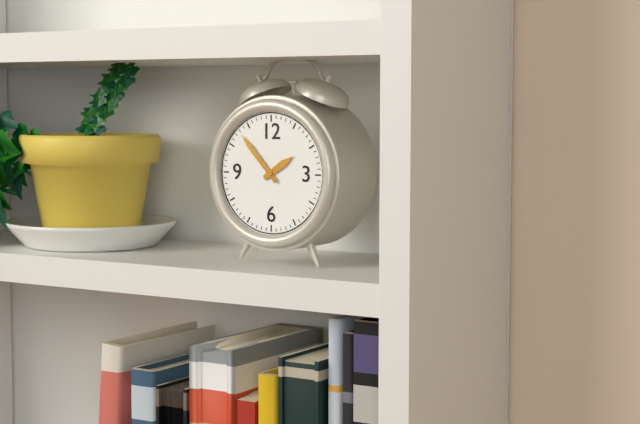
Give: 1h53
